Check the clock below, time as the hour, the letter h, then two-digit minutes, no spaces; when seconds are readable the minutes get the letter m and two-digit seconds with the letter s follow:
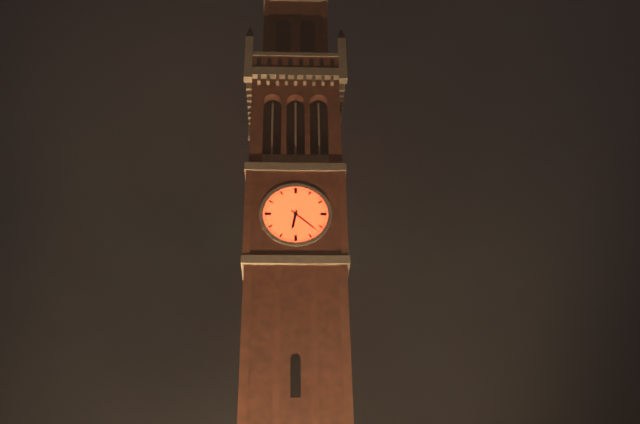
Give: 6h22
